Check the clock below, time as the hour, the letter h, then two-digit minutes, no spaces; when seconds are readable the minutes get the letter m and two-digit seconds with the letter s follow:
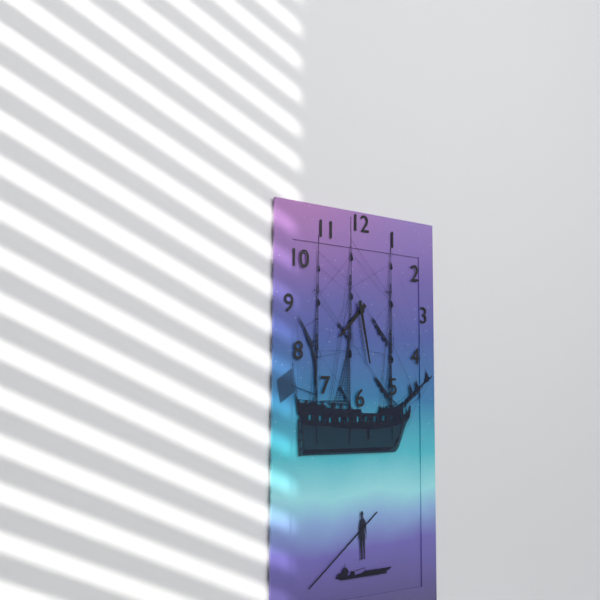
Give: 7h28
